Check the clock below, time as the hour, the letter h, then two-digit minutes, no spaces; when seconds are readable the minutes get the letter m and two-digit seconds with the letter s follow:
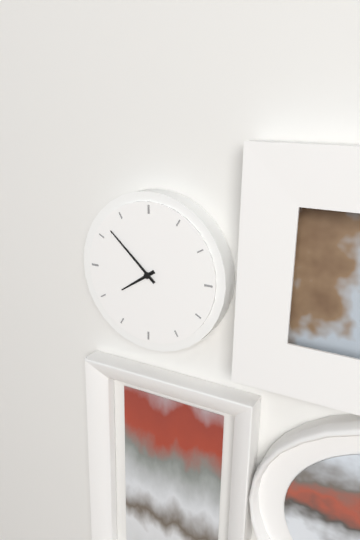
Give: 7h52
